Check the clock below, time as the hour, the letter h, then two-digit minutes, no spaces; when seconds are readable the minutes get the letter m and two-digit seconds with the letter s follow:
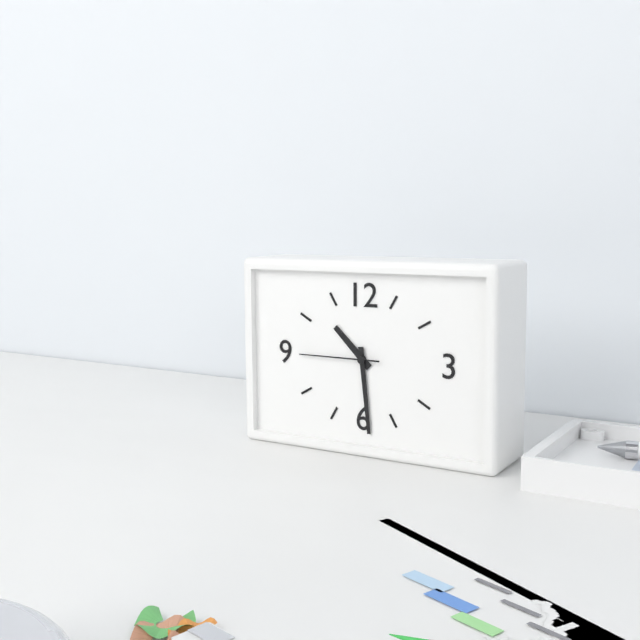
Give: 10h29m45s
